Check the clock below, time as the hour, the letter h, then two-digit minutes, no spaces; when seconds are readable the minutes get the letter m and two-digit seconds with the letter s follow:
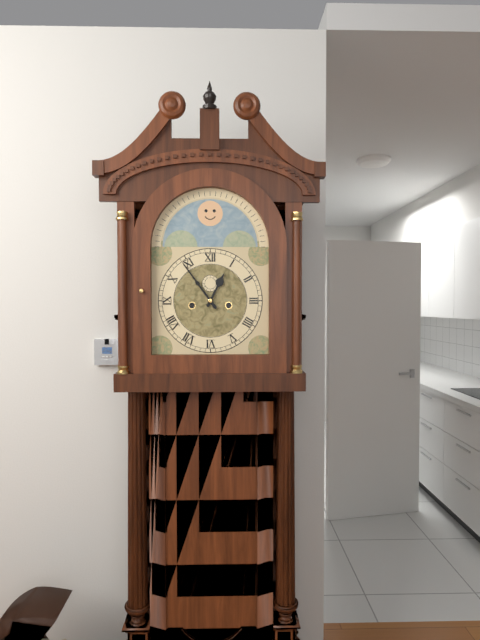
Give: 12h54
